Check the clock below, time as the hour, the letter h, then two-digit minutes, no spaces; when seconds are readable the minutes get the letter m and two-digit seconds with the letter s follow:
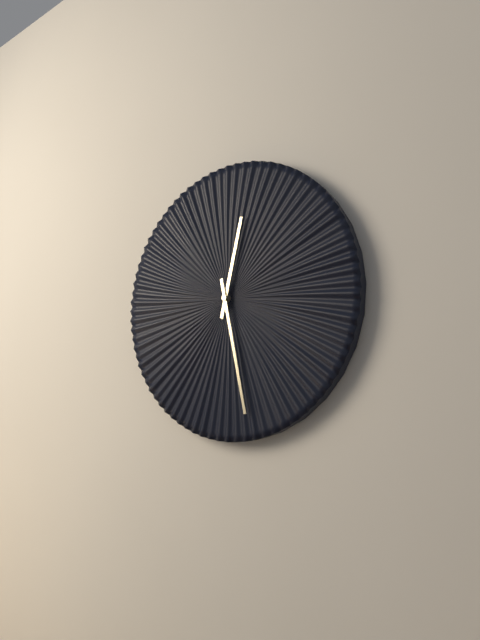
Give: 12h28
